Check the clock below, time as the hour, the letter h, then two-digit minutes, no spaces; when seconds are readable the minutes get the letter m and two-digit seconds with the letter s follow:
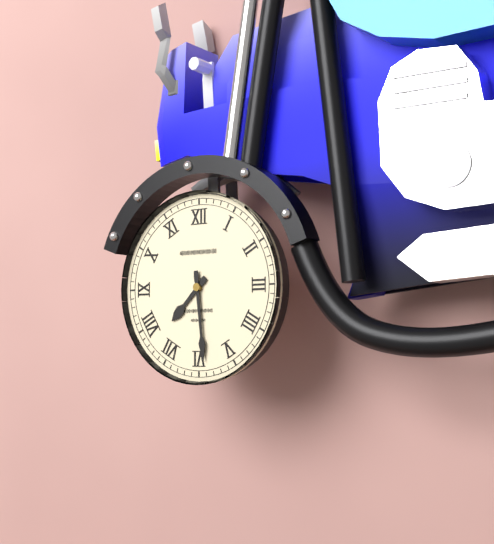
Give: 7h29
